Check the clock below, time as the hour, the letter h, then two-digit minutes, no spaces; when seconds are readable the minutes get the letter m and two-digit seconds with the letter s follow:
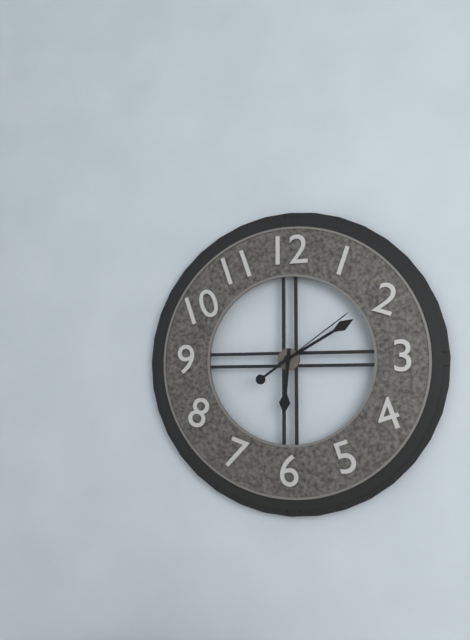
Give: 6h10m09s
